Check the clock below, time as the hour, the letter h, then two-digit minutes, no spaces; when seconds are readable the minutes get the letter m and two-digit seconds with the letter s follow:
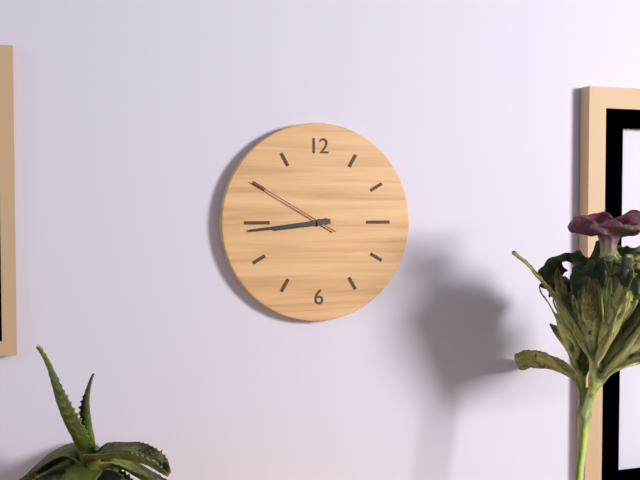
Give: 8h44m50s
